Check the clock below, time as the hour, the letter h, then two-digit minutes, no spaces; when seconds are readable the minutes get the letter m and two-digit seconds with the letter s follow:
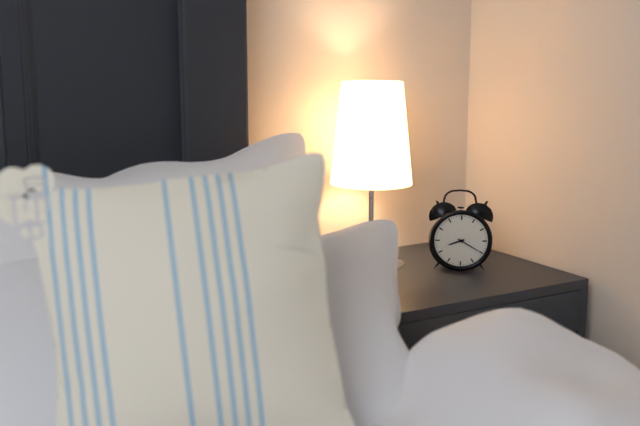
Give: 8h20
